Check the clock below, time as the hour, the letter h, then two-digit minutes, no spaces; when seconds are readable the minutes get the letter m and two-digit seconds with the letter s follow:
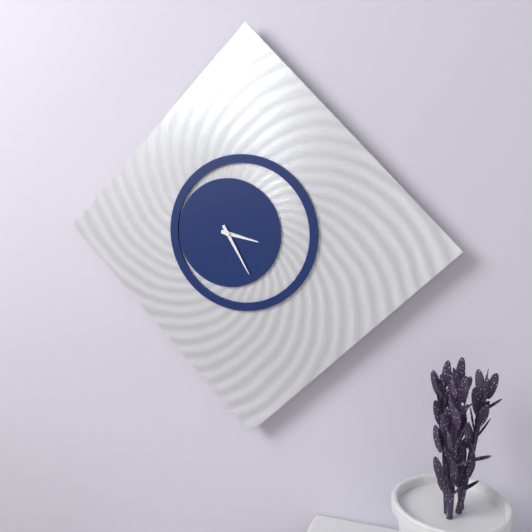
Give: 3h25
